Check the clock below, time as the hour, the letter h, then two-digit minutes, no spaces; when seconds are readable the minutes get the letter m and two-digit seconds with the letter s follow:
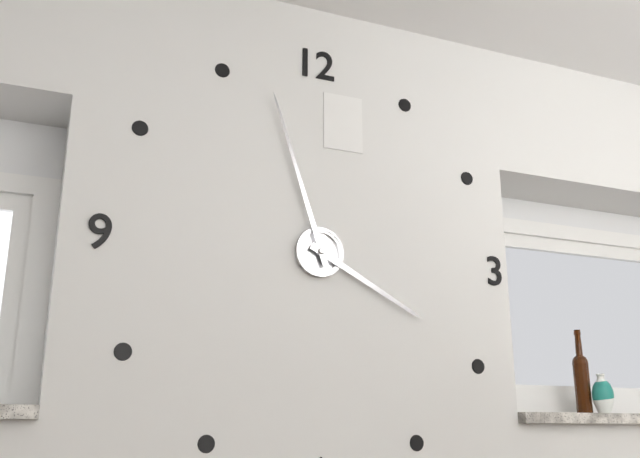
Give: 3h57
